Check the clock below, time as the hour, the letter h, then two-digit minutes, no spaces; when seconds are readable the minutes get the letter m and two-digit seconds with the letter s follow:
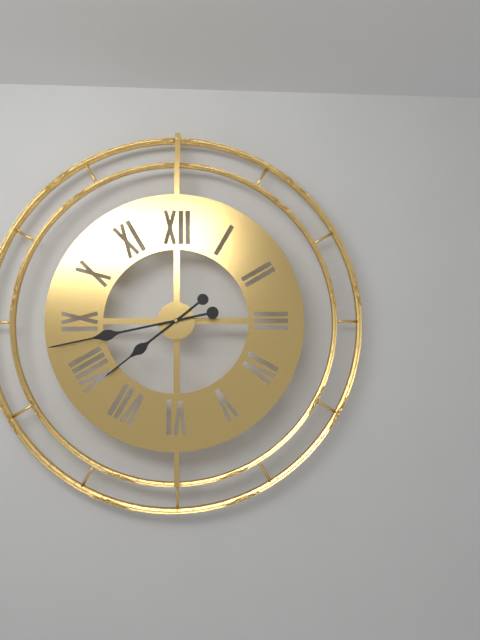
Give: 7h43
